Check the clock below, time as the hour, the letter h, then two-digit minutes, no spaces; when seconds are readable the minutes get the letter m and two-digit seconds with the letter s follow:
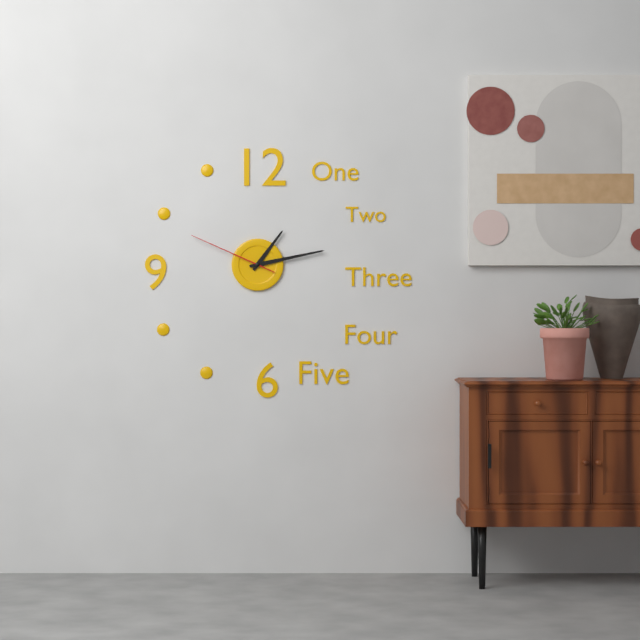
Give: 1h13m49s
